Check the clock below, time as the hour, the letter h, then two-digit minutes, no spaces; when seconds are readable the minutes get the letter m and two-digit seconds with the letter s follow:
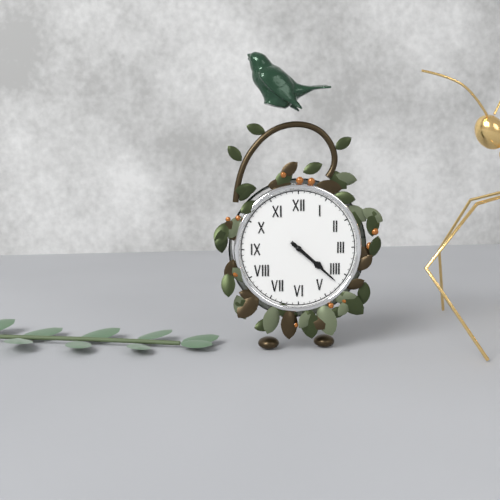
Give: 4h22
